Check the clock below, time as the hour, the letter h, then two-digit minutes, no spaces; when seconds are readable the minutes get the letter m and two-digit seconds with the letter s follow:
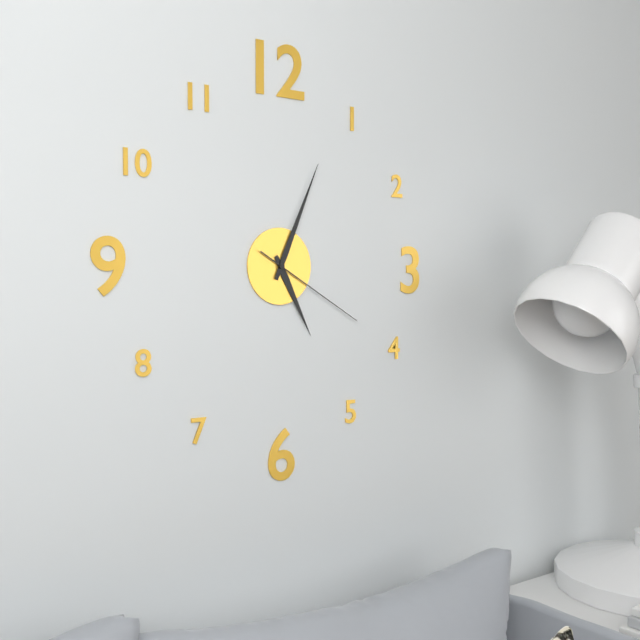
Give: 5h04m20s
